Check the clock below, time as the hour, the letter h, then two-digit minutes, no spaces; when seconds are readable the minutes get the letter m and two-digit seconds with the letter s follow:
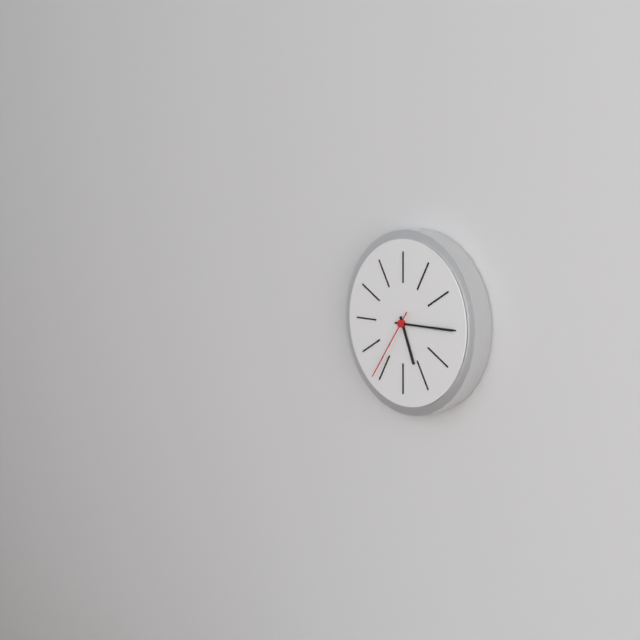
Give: 5h15m36s
